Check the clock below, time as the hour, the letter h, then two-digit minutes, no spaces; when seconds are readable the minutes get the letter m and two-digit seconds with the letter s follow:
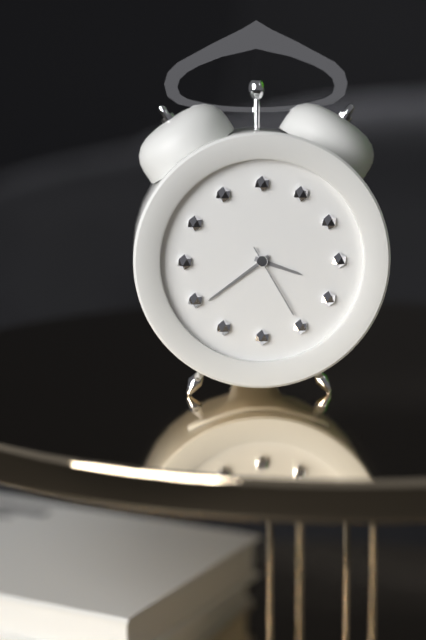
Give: 3h39m25s
